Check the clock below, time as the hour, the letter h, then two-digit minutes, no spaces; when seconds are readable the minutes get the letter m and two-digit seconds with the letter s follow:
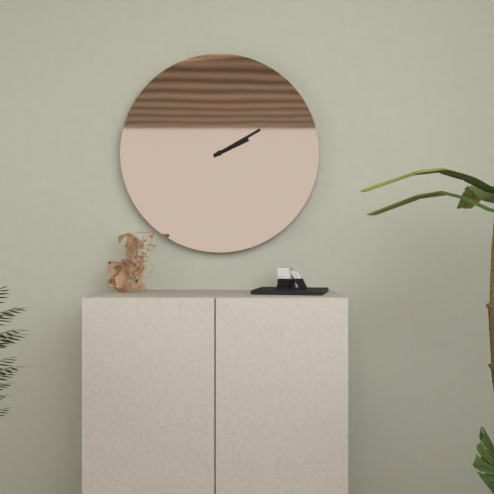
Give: 2h10
